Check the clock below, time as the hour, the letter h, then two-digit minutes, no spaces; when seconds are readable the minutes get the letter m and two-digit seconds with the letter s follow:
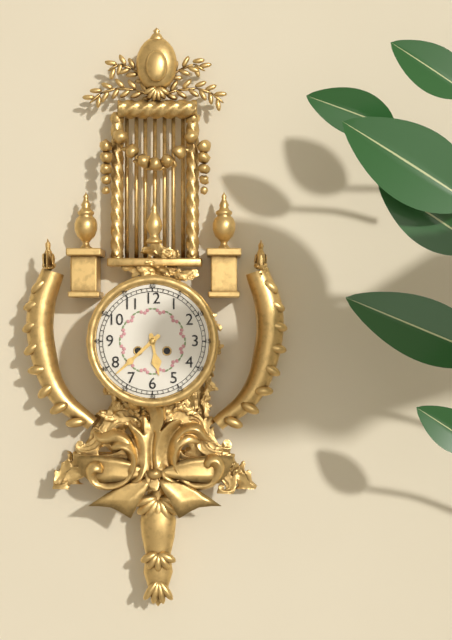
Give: 5h38
